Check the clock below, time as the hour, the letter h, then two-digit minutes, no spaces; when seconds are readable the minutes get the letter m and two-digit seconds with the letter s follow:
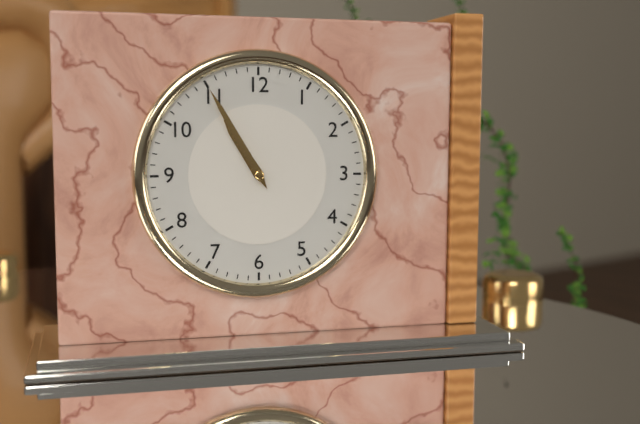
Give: 10h55
